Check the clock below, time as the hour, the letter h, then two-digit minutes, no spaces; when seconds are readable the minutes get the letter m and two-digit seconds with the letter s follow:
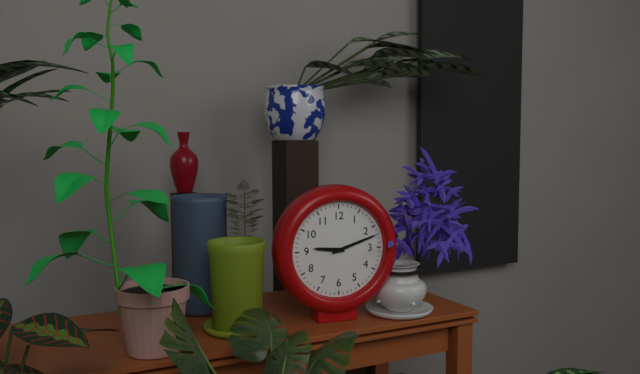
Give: 9h12
